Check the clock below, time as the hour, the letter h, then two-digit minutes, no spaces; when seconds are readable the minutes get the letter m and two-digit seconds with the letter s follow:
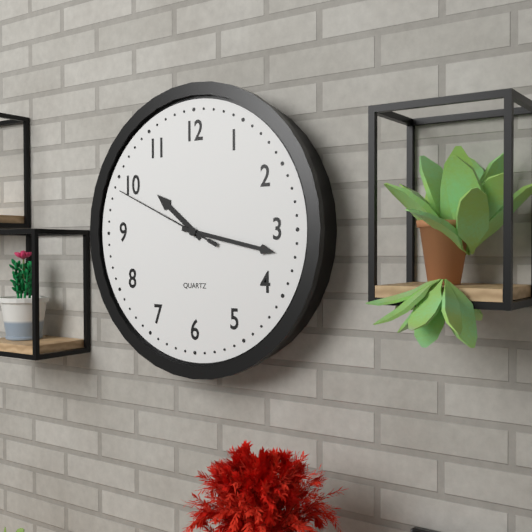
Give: 10h17m49s
